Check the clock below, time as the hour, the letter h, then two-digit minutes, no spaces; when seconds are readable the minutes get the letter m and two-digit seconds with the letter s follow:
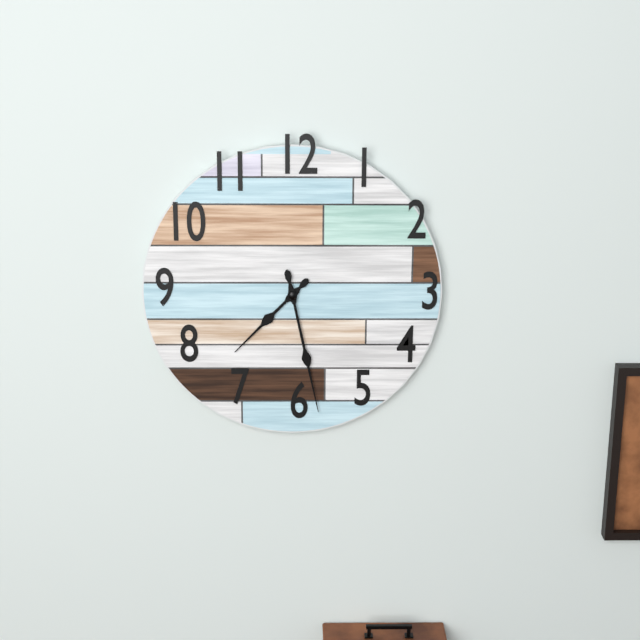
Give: 7h28
